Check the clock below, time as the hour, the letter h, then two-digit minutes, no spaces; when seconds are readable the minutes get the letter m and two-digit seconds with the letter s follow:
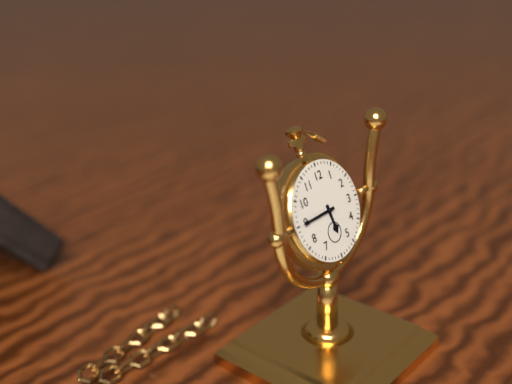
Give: 5h45
